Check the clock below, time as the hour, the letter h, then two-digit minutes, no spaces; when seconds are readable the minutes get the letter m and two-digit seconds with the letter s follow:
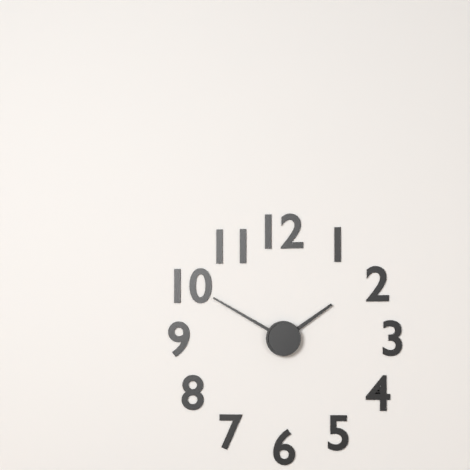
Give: 1h50
